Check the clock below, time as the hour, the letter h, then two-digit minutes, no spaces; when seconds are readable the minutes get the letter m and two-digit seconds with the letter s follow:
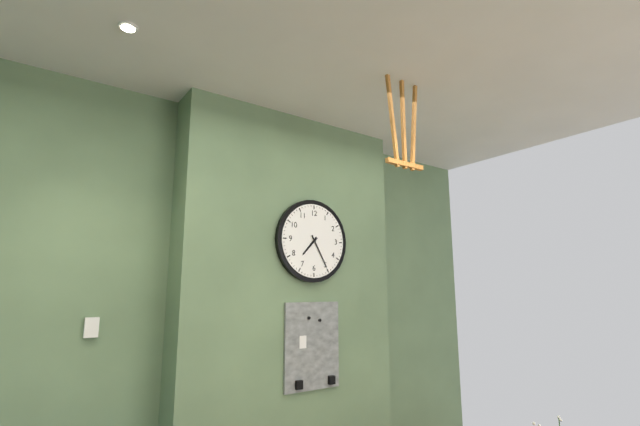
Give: 7h25
